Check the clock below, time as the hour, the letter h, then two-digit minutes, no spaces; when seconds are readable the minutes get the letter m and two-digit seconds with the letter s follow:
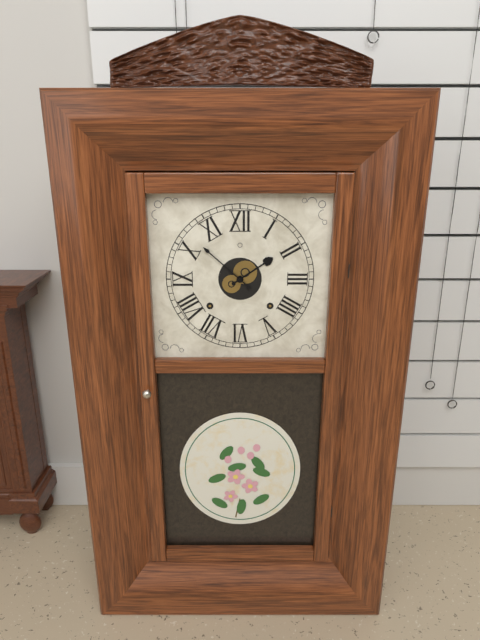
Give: 1h52
